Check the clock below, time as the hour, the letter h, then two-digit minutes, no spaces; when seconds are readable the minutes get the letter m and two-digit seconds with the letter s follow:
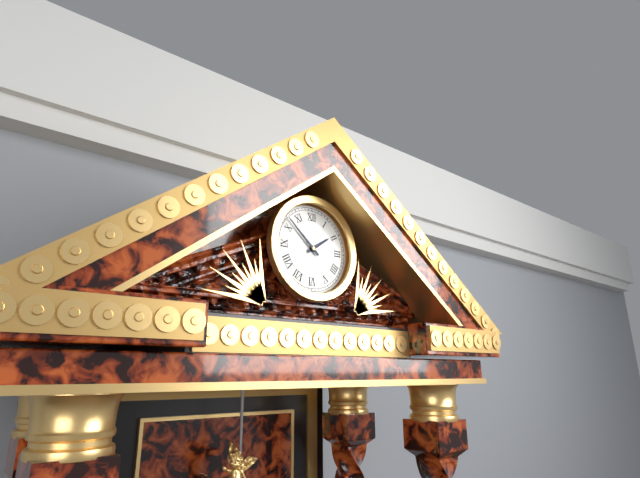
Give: 1h52
